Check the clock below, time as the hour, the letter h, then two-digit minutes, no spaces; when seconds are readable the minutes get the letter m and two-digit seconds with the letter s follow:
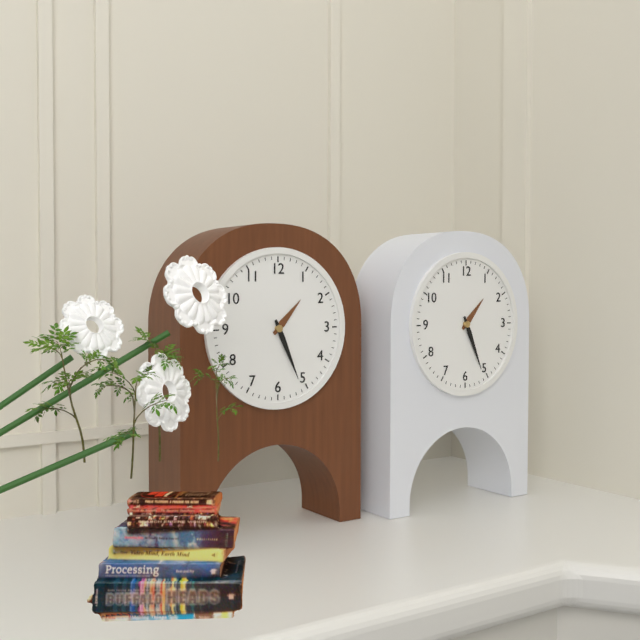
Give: 1h26
